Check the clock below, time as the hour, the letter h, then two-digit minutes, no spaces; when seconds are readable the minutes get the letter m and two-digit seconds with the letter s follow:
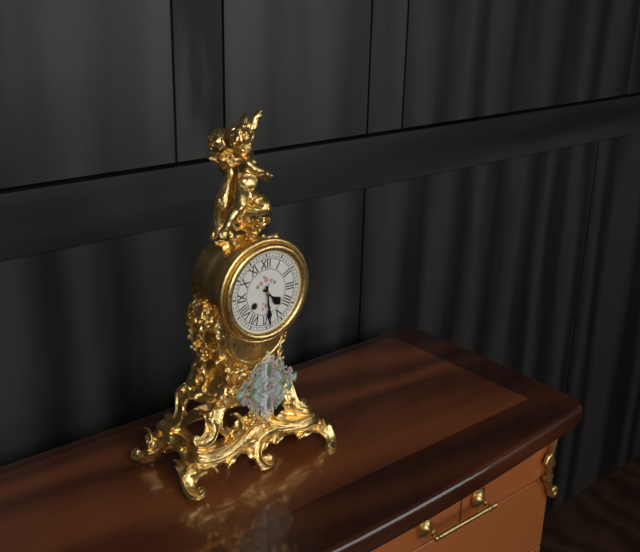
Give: 4h29
